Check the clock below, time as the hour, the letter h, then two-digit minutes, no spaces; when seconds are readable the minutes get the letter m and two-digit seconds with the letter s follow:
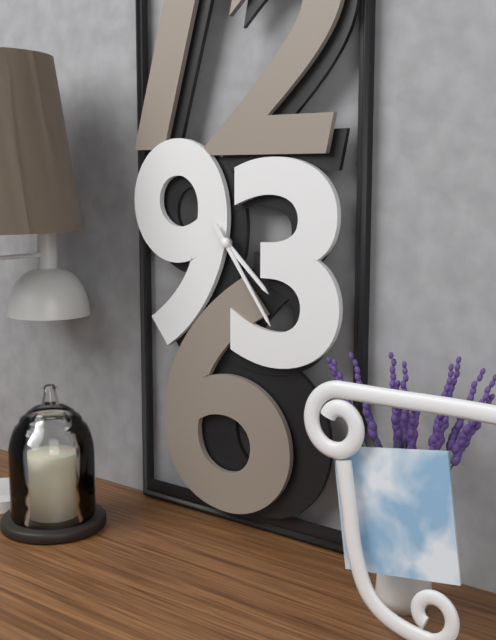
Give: 4h24
